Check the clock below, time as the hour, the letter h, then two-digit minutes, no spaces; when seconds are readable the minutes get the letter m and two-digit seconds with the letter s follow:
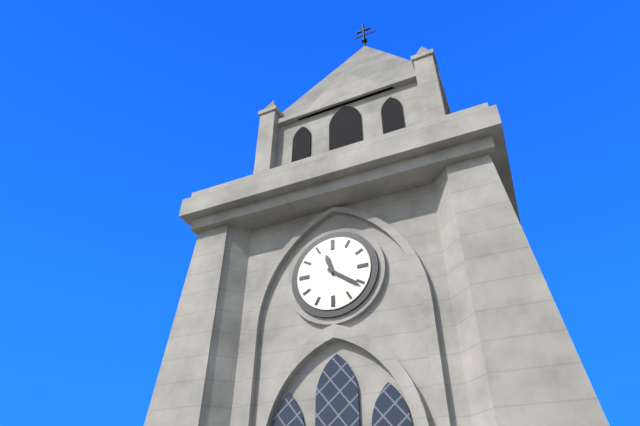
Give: 11h21
